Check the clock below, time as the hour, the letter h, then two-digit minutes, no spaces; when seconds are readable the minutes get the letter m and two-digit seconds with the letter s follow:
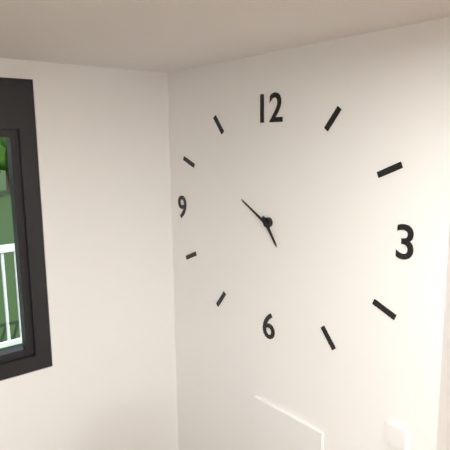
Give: 4h50
